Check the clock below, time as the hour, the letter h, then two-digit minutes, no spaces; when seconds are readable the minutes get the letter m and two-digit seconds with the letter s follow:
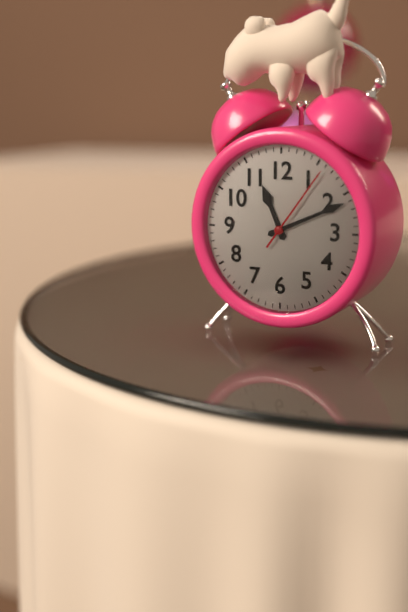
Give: 11h11m06s
